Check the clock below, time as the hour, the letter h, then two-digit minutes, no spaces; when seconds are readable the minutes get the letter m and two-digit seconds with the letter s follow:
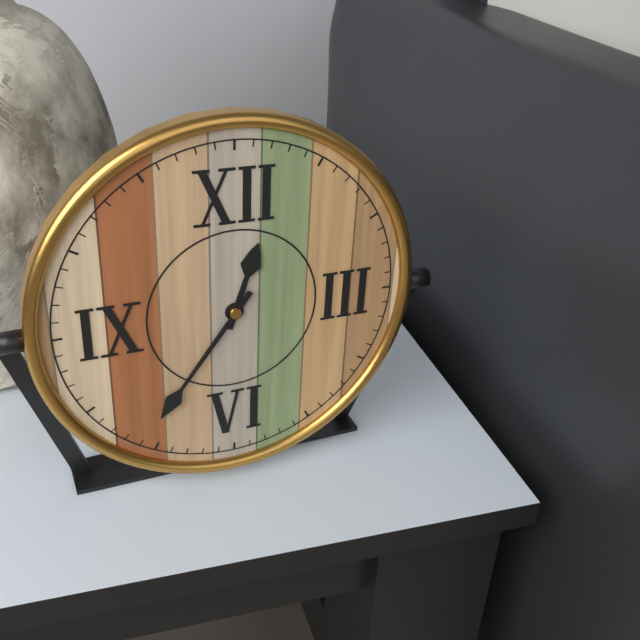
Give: 12h36
